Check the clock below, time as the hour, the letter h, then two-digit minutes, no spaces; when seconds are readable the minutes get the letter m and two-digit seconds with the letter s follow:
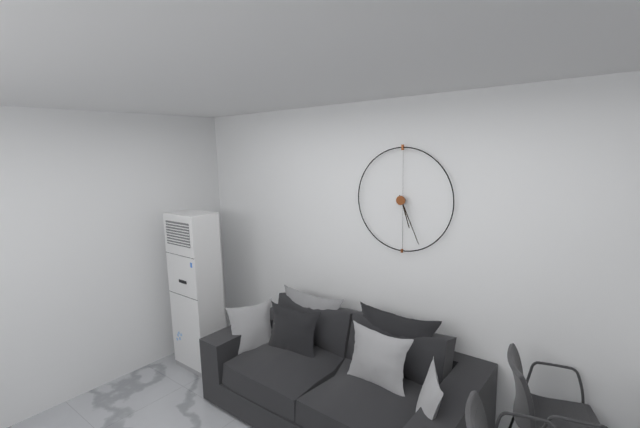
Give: 5h26
